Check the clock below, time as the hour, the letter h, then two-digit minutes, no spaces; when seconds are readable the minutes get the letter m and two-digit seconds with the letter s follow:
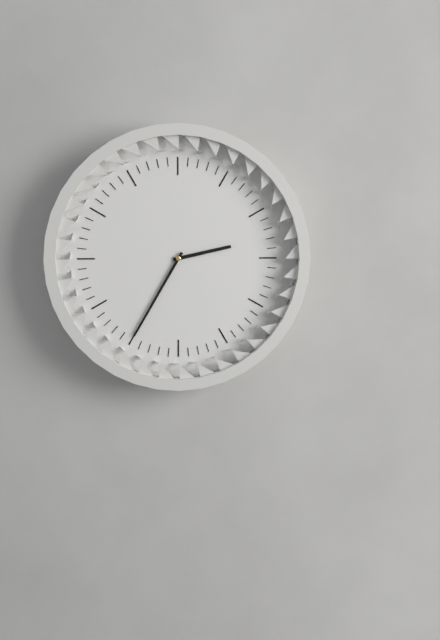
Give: 2h35
